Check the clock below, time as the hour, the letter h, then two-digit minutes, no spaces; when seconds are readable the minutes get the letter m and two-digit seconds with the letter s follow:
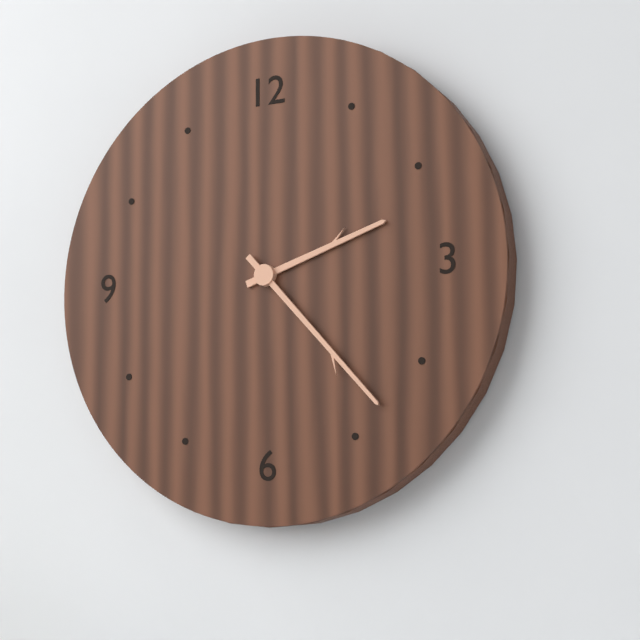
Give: 2h23
